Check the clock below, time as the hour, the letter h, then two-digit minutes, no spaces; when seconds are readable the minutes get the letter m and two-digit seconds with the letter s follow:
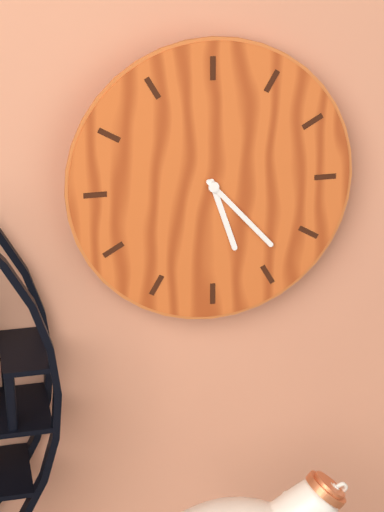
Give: 5h23
